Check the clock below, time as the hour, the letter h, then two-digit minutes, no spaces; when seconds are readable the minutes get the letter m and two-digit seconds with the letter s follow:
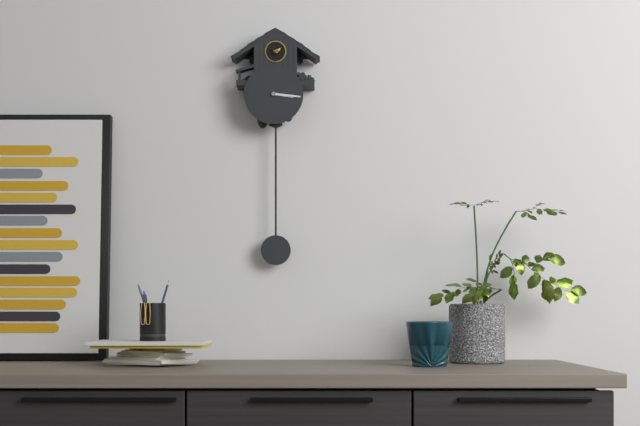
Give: 3h16
